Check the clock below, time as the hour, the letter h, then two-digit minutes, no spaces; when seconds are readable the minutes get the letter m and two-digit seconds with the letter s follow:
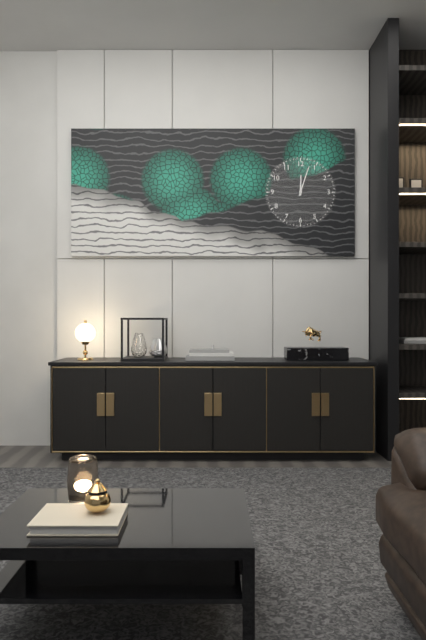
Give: 12h03
